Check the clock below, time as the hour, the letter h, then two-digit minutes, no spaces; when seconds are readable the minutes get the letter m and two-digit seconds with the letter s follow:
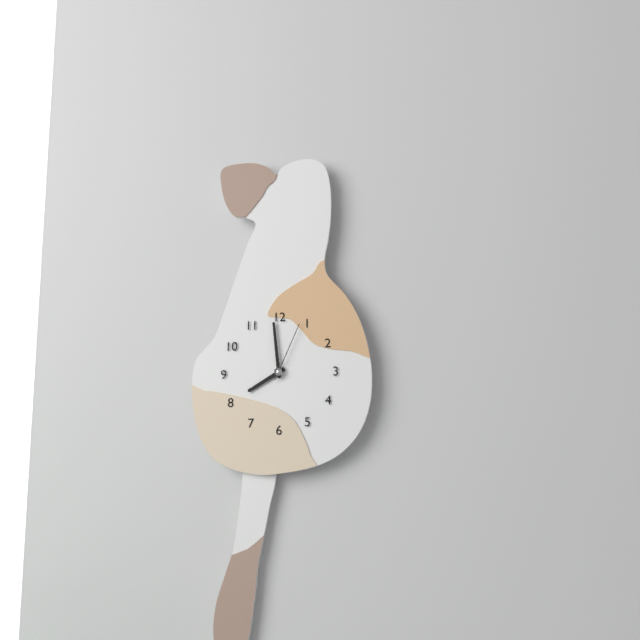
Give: 7h59m04s
